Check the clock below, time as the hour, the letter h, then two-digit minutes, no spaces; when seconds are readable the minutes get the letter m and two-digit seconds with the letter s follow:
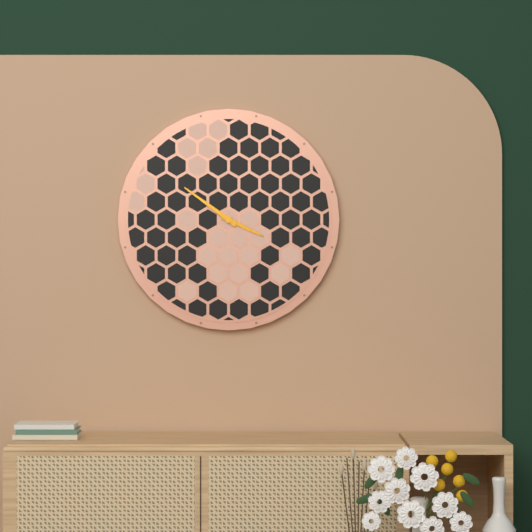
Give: 3h51
